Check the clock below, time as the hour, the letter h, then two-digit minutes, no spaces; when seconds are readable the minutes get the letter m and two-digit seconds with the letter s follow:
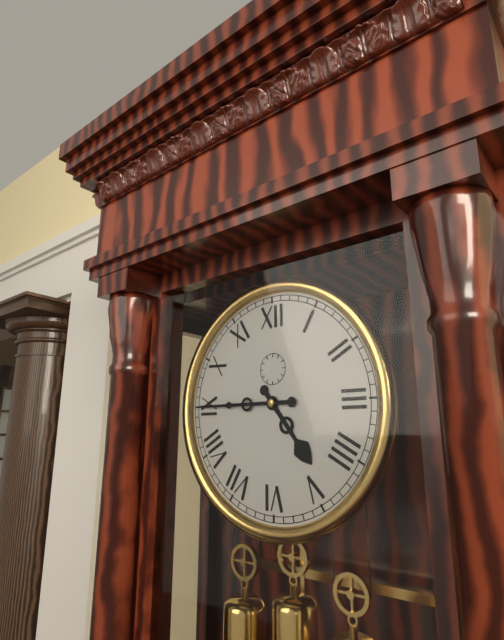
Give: 4h45
